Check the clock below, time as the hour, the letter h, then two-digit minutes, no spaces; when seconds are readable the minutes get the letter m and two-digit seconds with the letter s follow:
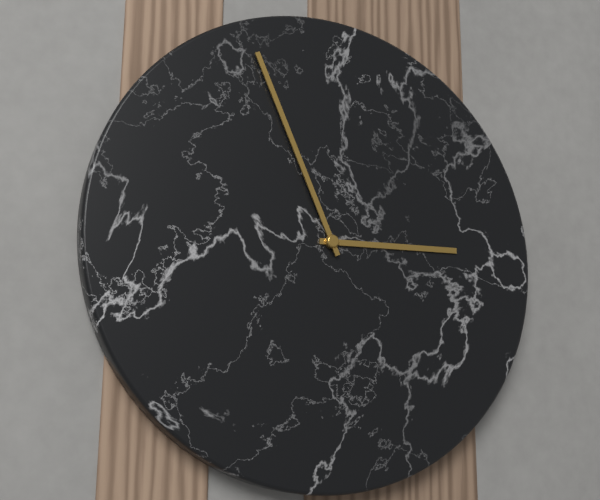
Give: 2h56
